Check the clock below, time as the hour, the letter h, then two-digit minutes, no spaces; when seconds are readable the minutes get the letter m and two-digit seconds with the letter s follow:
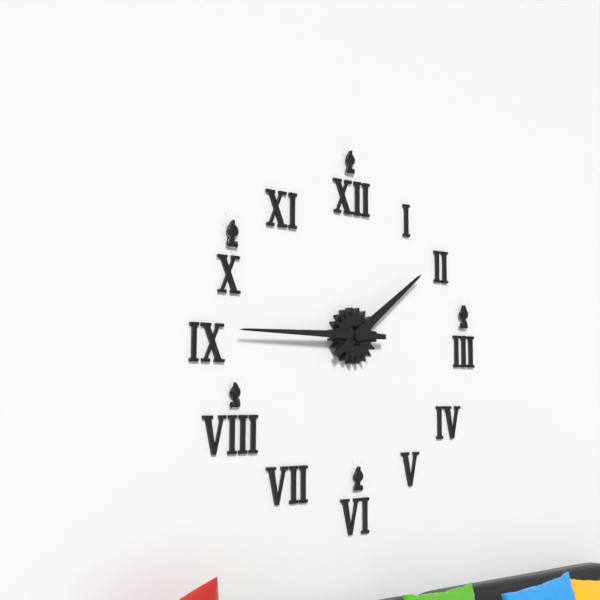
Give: 1h45
